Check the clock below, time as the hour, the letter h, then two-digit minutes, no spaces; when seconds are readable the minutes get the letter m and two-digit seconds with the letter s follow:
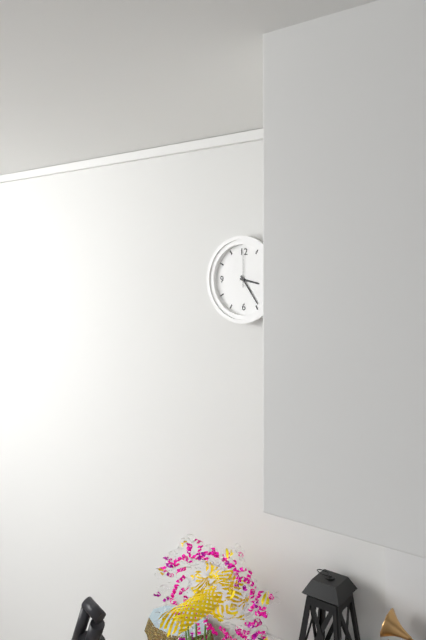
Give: 3h24
